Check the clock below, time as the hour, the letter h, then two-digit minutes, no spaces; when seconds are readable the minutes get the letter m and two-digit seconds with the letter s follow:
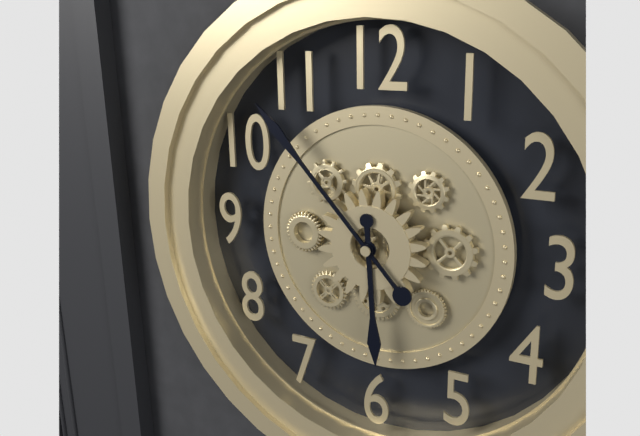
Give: 5h53
